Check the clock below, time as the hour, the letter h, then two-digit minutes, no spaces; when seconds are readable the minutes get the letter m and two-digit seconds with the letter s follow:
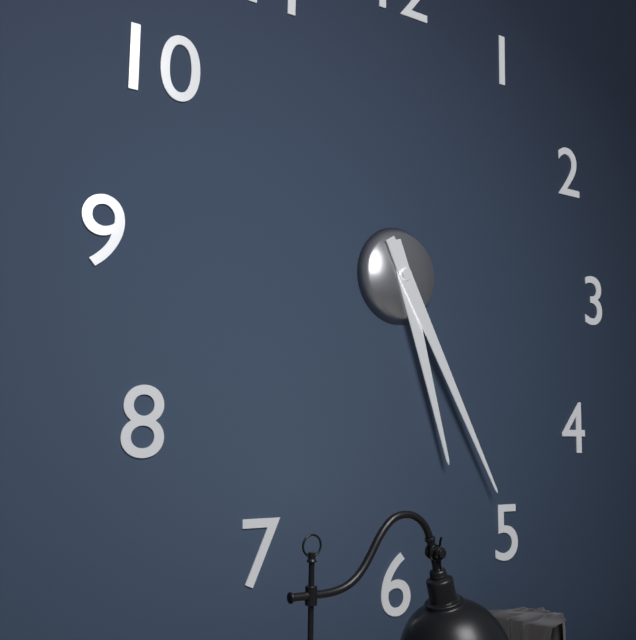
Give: 5h25
